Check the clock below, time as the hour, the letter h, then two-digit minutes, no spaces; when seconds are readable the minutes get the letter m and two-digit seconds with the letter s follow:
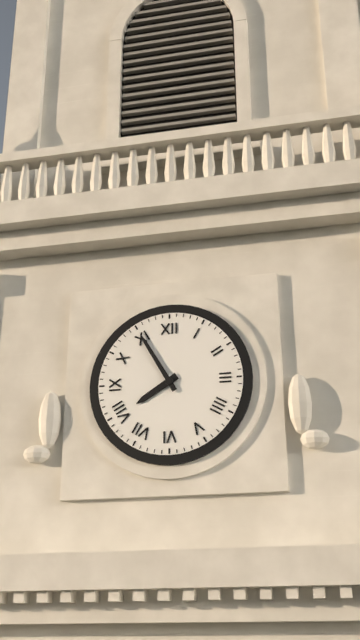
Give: 7h55
